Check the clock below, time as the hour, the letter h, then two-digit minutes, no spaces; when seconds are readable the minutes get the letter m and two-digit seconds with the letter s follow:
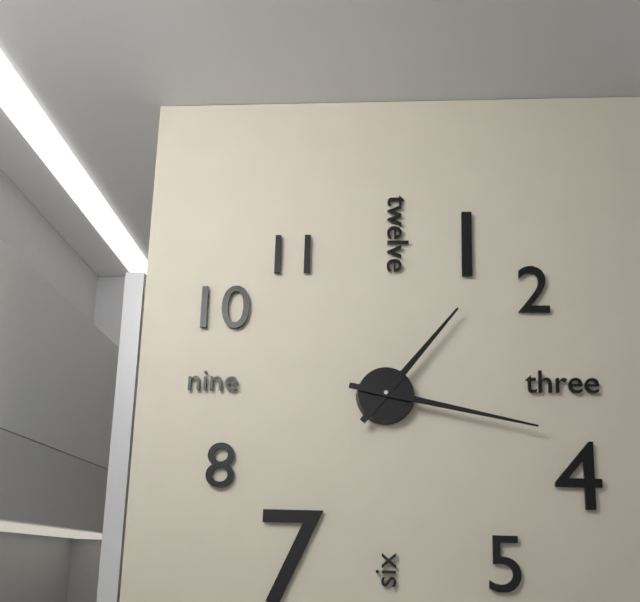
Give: 1h17
